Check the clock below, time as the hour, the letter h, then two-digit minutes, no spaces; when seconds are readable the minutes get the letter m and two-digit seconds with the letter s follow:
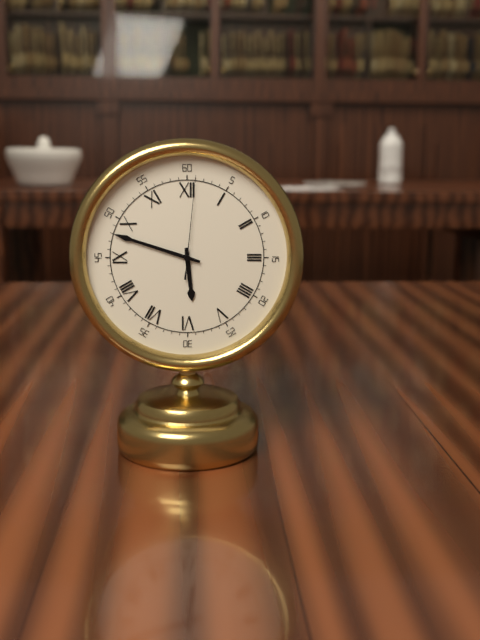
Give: 5h48m01s
